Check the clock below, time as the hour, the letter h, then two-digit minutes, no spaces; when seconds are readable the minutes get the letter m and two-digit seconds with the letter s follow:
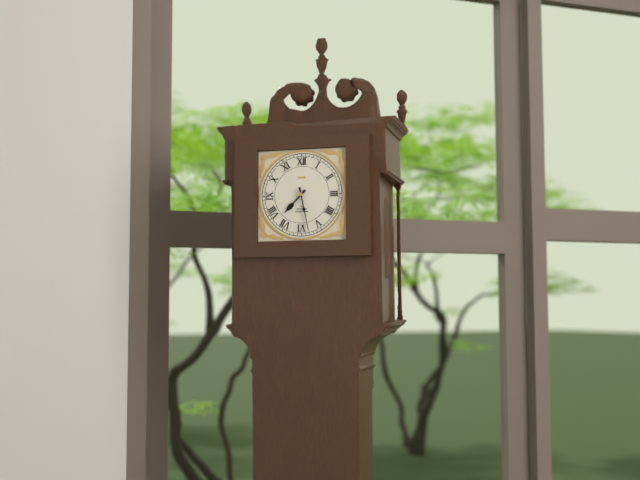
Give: 7h28
